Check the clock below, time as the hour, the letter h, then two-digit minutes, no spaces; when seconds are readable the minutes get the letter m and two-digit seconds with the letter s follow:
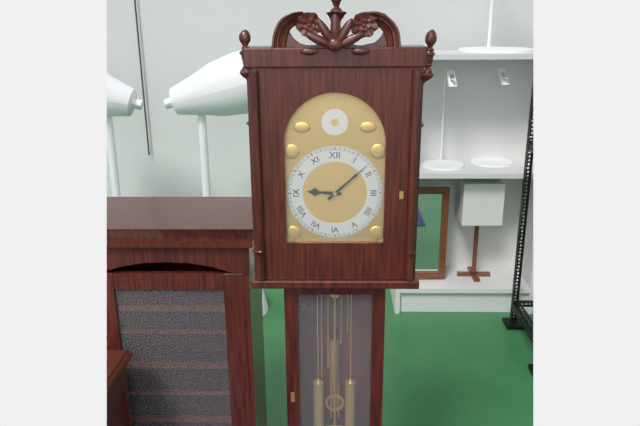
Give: 9h08
